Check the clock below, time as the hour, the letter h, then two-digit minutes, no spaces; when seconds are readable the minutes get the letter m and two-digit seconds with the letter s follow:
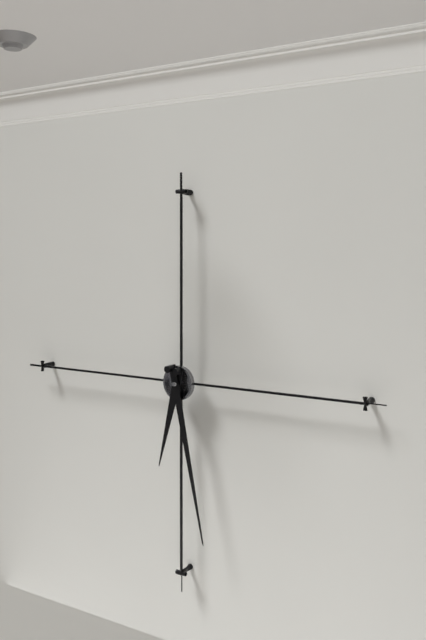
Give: 6h28
